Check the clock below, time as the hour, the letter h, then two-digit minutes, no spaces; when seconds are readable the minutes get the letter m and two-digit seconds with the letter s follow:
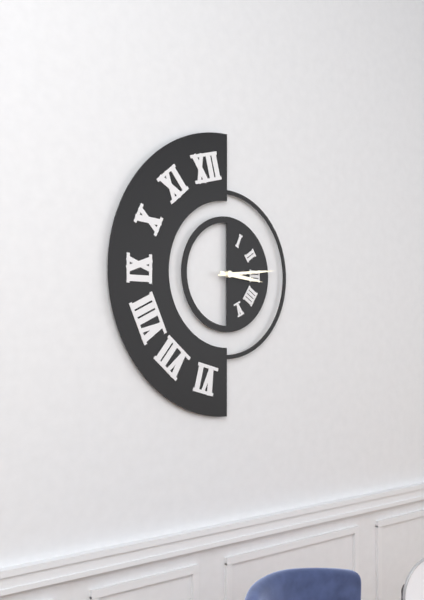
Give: 3h14
